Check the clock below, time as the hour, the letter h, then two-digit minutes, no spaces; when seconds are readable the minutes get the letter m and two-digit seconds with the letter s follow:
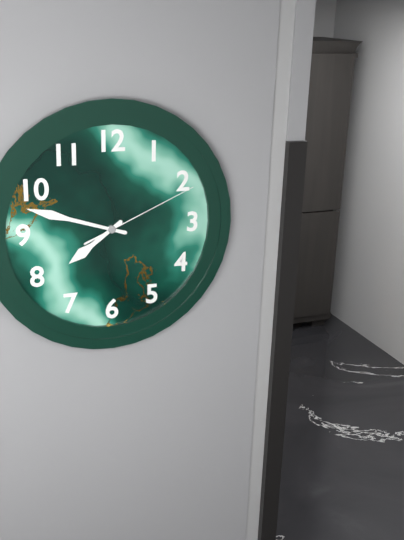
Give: 7h48m11s
